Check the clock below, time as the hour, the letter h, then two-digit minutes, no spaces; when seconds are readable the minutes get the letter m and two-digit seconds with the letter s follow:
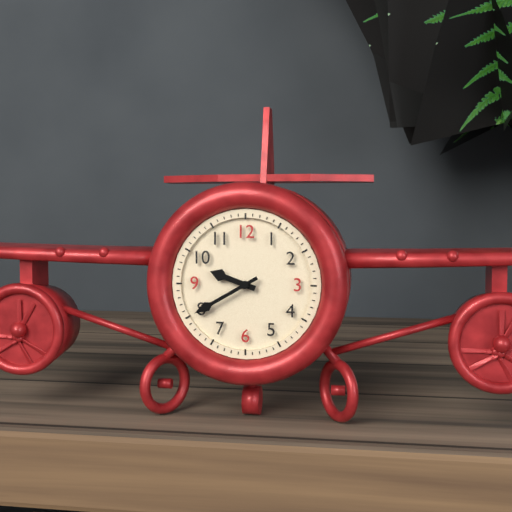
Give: 9h40
